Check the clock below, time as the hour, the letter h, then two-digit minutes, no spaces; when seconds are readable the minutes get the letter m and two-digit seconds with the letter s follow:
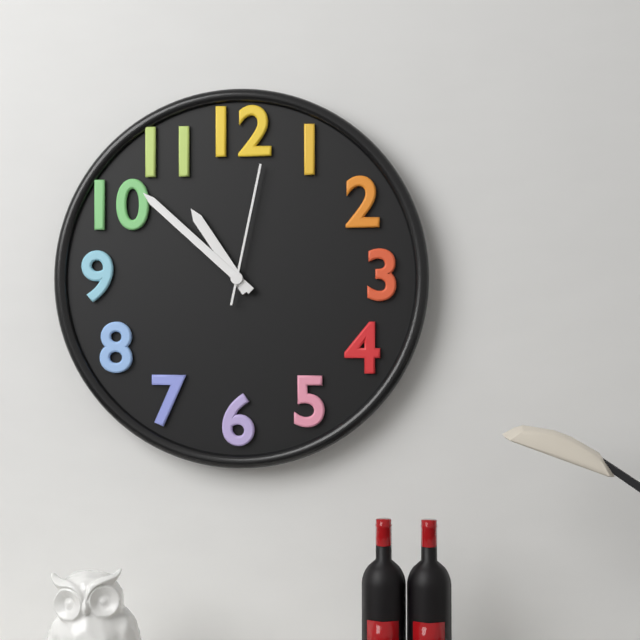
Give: 10h52m02s
